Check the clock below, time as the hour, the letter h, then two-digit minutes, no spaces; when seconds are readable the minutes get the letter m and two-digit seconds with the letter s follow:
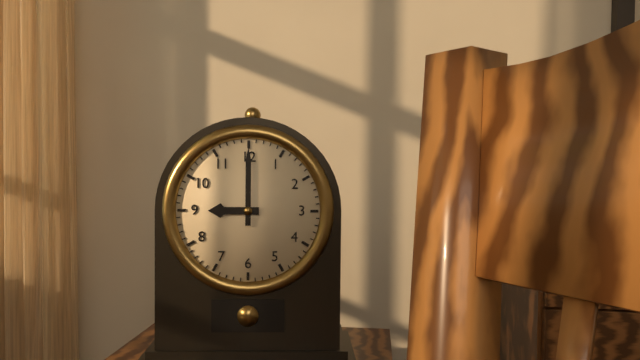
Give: 9h00
